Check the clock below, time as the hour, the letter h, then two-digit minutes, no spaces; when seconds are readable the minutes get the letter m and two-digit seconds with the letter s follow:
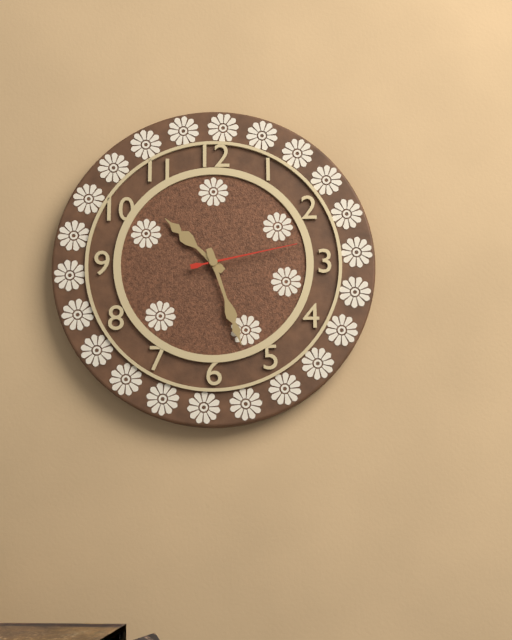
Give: 10h27m13s
